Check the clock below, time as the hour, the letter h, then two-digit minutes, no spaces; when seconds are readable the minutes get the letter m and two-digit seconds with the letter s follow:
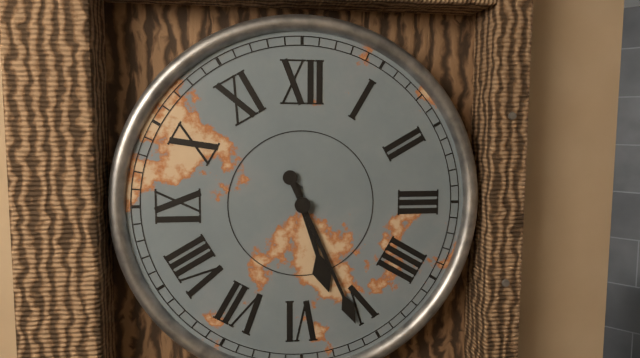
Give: 5h26
